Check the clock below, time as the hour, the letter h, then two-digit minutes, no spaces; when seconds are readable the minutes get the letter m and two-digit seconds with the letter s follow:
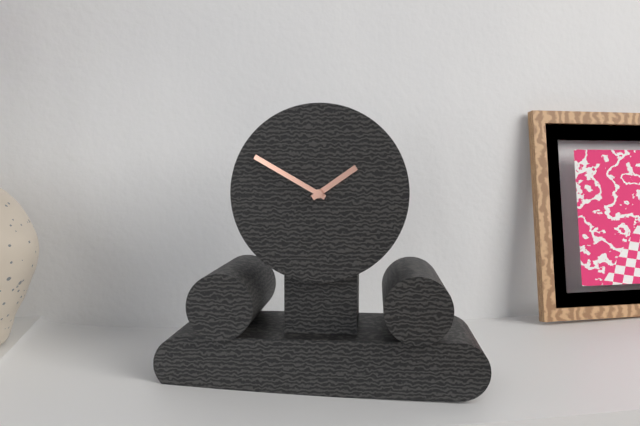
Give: 1h50
